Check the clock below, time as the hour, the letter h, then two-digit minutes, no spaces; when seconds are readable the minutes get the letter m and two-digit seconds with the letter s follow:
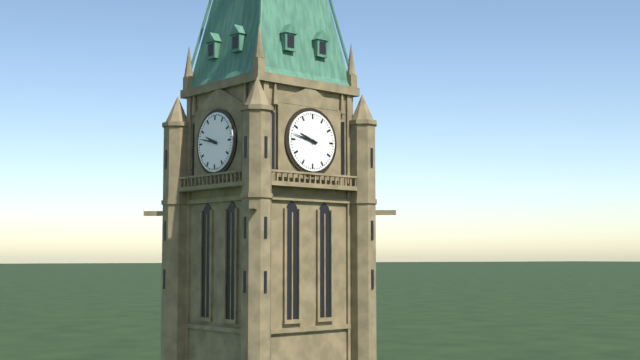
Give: 9h47
